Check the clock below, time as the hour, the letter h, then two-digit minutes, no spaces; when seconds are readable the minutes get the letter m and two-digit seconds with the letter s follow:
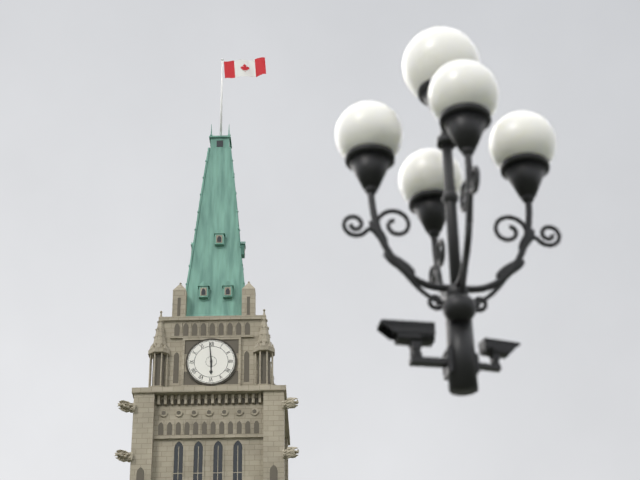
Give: 5h59
